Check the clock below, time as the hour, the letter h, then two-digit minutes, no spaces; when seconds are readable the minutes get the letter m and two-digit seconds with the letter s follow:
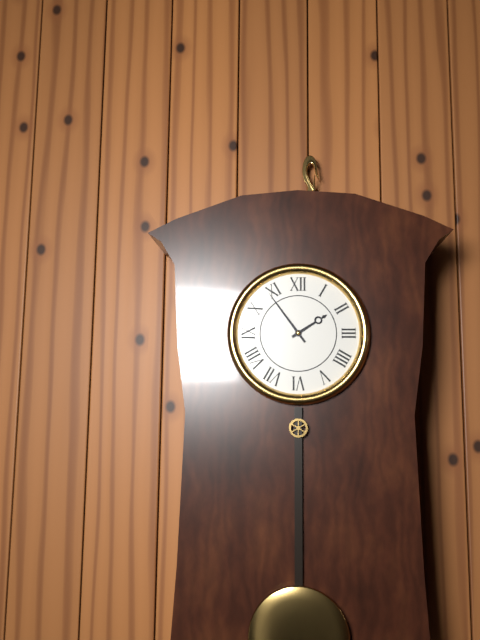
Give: 1h54
